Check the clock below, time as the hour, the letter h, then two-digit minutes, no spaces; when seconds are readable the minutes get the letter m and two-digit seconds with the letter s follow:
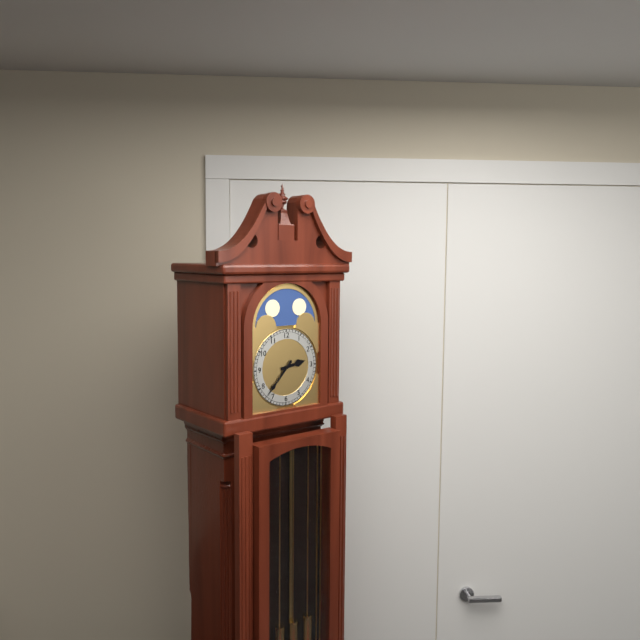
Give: 2h37
